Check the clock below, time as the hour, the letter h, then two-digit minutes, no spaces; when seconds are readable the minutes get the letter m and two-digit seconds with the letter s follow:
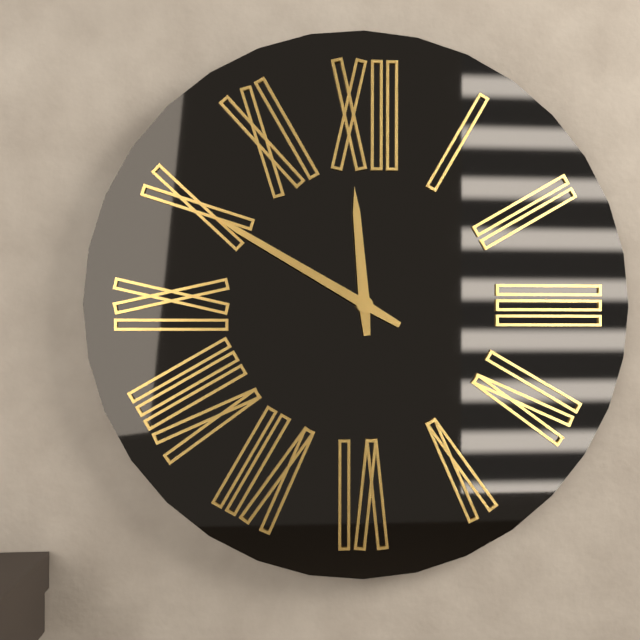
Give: 11h50
